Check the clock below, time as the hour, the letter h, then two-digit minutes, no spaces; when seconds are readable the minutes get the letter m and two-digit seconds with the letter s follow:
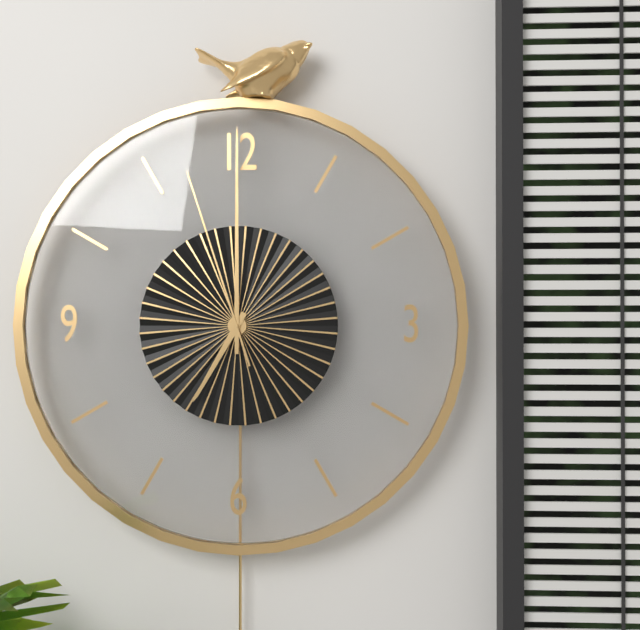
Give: 7h00m57s
